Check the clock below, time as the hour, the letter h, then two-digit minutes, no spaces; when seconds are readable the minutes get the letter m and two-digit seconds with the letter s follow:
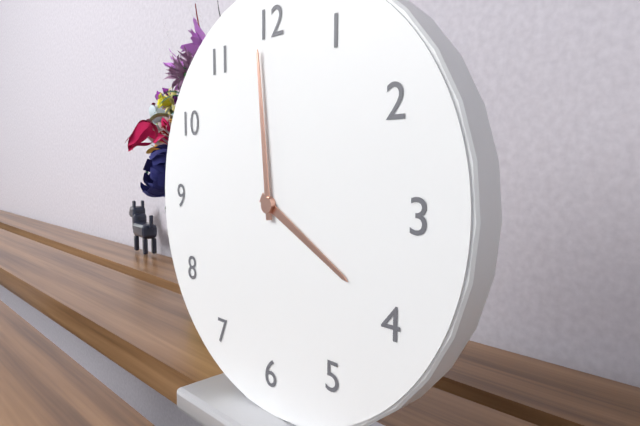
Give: 3h59
